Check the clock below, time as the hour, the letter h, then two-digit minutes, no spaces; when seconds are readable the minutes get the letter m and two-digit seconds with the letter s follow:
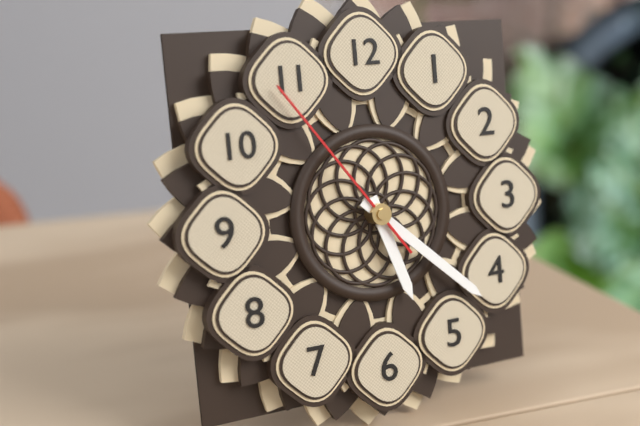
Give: 5h22m54s
